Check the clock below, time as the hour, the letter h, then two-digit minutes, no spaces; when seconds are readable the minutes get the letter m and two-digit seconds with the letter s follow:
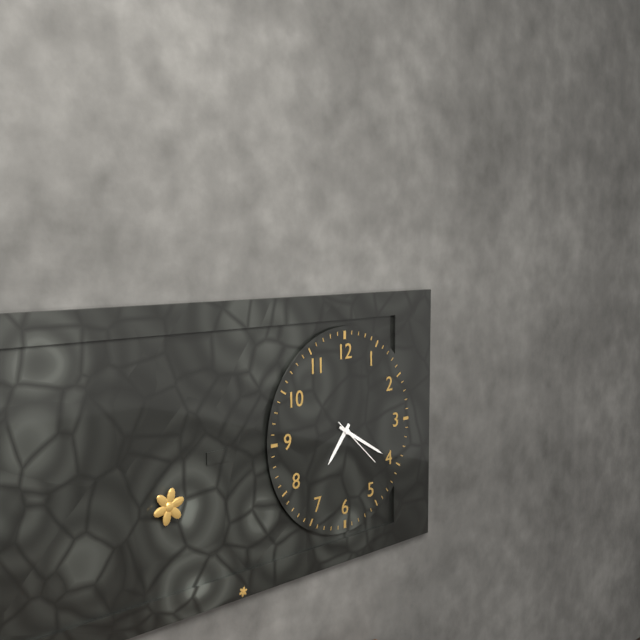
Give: 7h20m22s
